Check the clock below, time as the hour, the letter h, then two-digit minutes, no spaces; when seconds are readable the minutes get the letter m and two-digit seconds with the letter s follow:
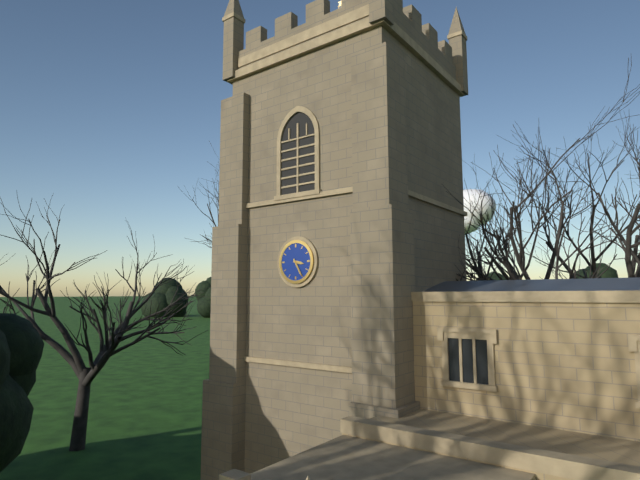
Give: 3h25
